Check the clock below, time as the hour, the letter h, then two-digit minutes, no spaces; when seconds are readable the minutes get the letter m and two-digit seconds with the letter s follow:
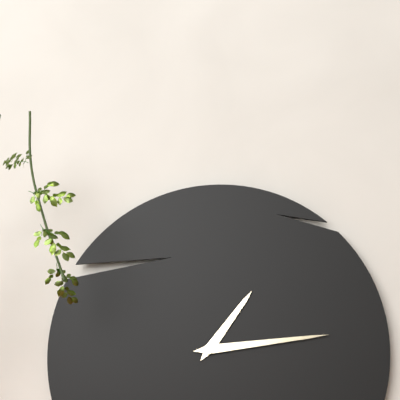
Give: 1h14
